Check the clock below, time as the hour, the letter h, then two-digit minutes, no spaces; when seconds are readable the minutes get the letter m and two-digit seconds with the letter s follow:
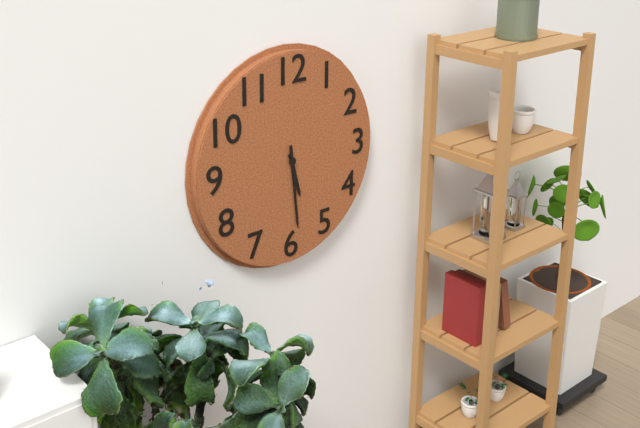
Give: 5h29
